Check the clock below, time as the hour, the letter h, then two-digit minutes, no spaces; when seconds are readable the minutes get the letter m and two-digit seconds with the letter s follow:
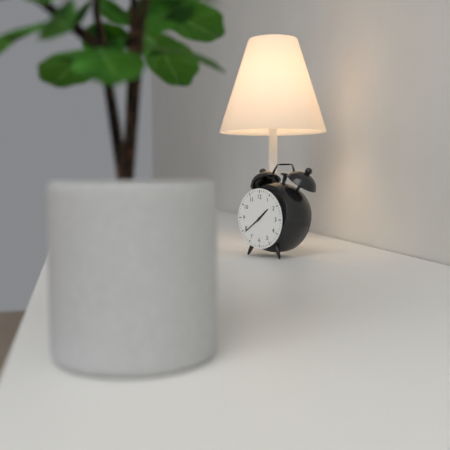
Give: 1h39
